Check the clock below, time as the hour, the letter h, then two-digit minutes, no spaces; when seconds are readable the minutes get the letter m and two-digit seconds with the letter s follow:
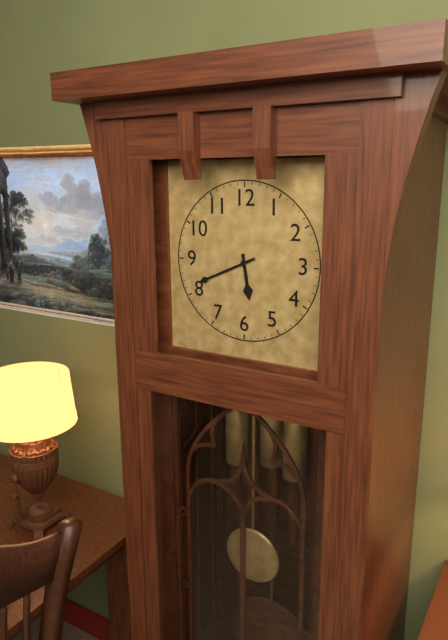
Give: 5h41
